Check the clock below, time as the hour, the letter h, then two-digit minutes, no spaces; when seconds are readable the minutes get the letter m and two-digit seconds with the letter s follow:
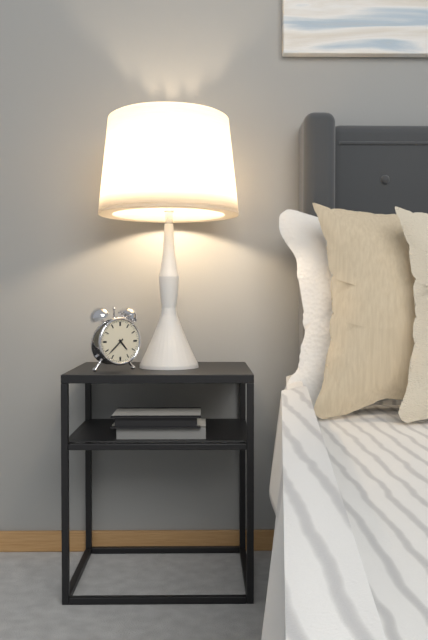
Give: 4h38
